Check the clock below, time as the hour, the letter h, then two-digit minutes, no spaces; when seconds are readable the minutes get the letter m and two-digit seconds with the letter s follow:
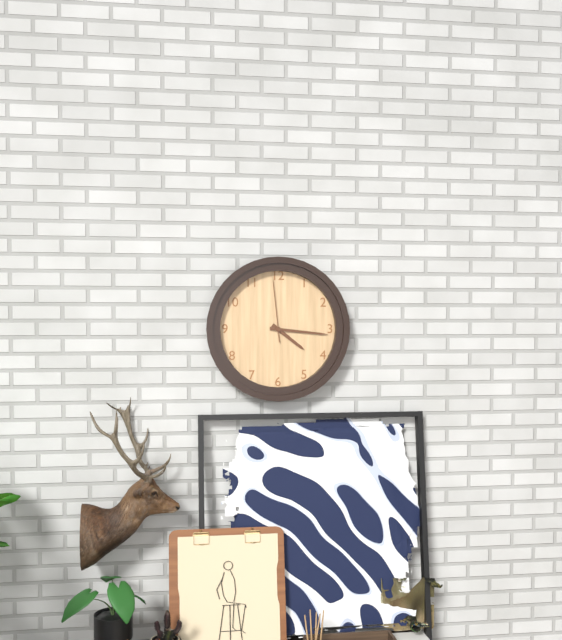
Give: 4h16m59s
